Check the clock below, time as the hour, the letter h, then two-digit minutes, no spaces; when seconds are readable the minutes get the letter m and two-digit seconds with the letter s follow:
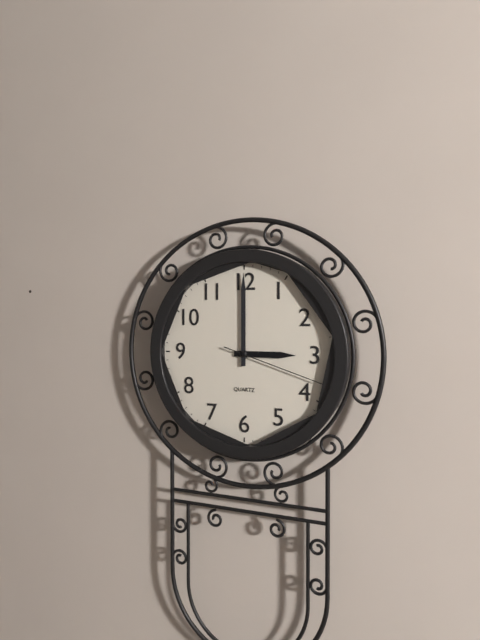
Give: 3h00m18s
